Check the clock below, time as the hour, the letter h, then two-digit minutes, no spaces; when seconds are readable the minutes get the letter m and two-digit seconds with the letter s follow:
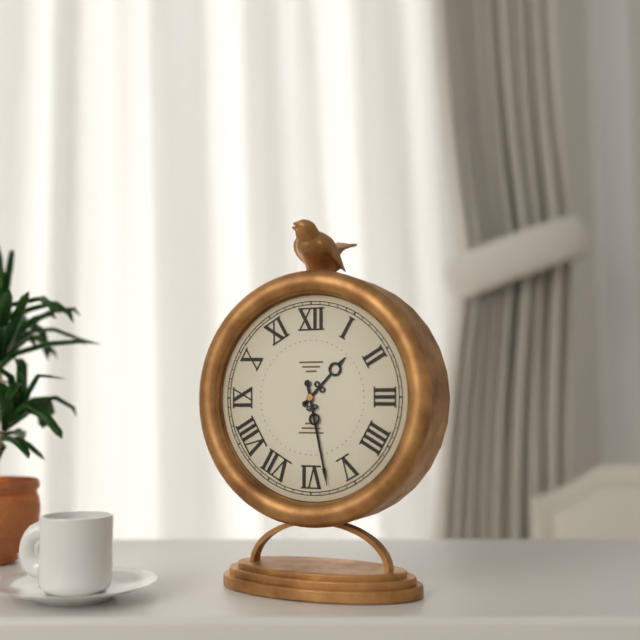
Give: 1h28
